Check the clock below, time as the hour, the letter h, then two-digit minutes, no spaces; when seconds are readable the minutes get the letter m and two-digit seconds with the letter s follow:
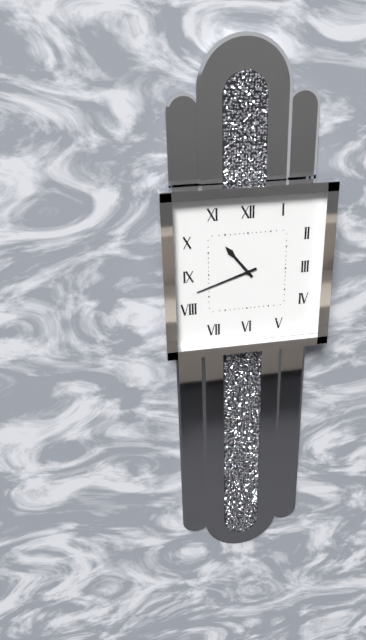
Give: 10h42
